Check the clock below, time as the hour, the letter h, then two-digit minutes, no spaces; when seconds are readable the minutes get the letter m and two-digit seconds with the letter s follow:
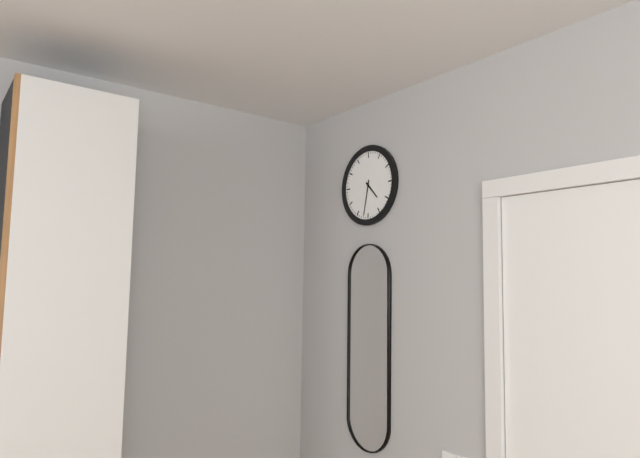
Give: 4h32
